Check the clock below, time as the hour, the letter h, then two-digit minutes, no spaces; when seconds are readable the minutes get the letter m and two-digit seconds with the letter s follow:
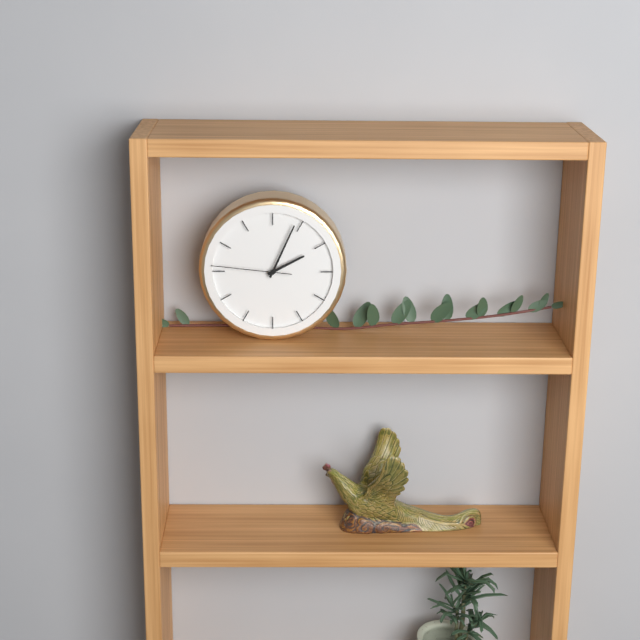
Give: 2h04m46s
